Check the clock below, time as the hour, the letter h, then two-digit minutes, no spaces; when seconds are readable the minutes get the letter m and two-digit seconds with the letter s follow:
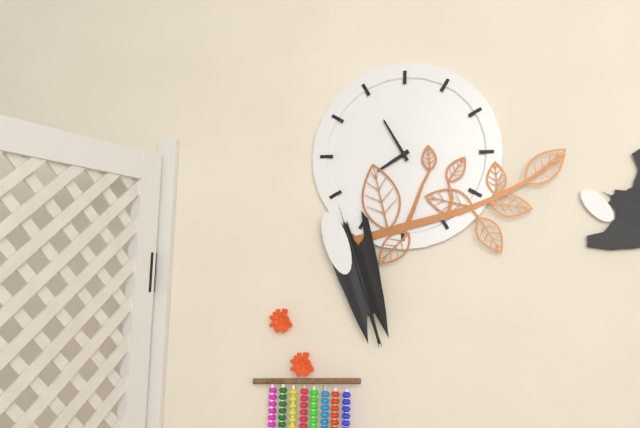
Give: 7h55
